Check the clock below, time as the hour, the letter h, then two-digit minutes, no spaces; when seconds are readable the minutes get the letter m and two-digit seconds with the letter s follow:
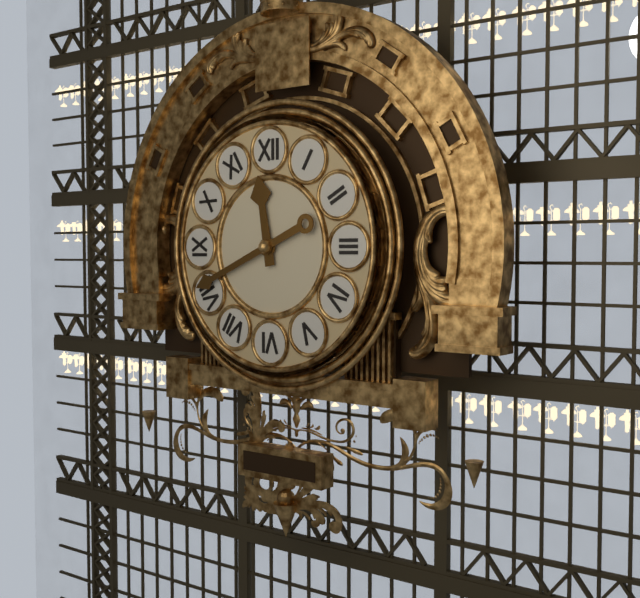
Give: 11h41
